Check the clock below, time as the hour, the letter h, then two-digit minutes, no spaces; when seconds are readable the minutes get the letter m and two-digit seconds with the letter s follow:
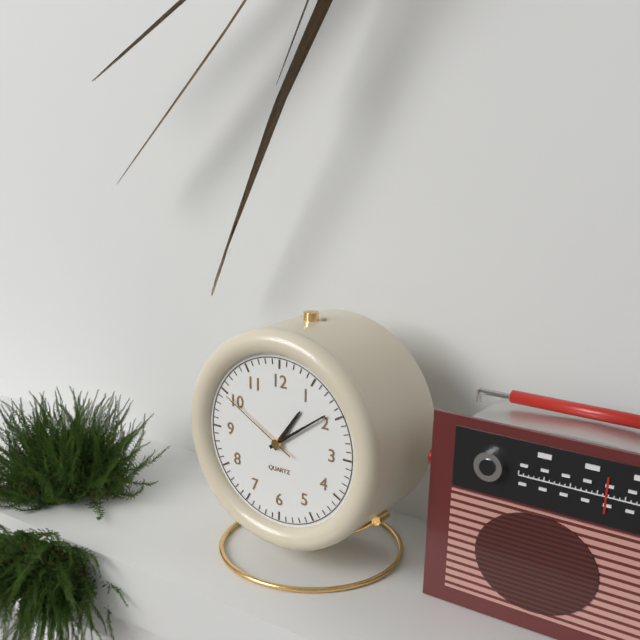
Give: 1h09m50s
